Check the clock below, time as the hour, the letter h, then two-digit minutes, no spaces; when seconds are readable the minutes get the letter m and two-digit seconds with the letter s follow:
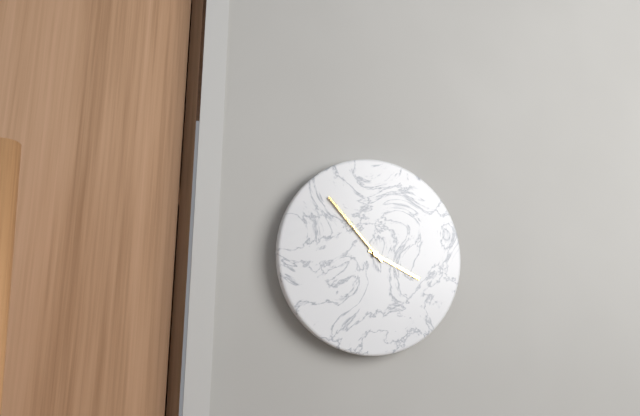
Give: 3h53
